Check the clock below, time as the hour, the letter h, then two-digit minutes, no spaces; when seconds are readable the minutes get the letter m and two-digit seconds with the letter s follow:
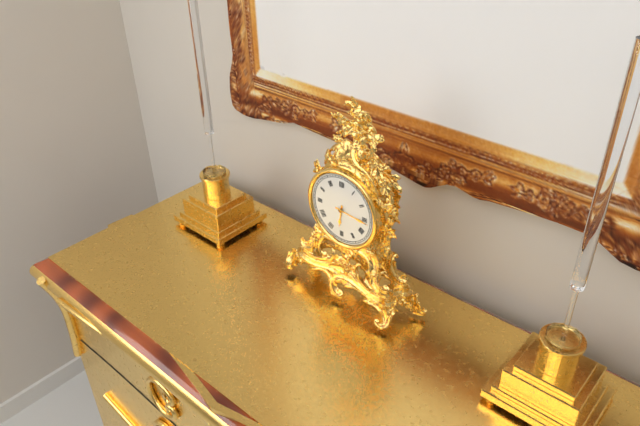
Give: 6h16
